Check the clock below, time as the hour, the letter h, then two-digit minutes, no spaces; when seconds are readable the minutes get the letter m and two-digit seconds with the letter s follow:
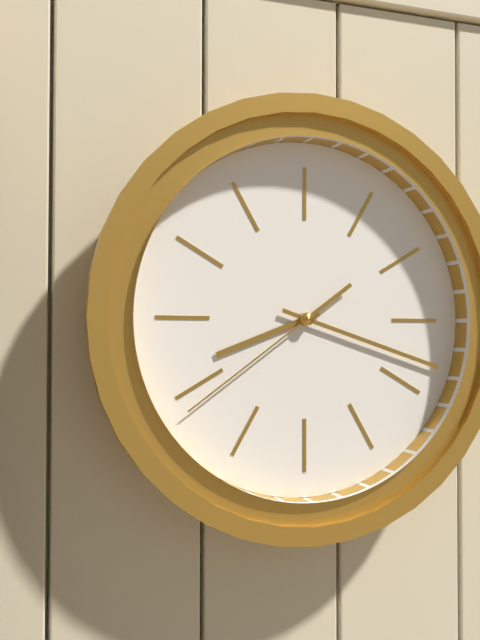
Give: 8h18m39s
